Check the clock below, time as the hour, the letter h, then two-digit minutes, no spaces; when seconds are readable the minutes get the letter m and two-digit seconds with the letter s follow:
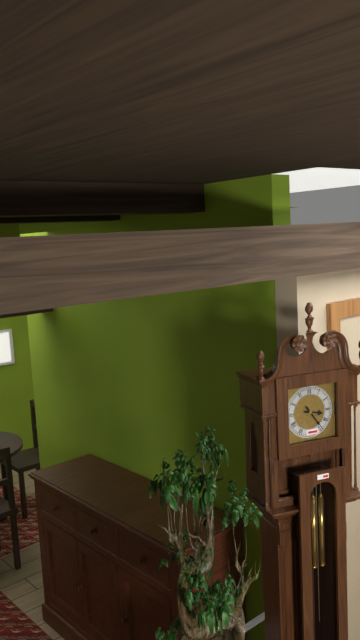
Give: 3h24
